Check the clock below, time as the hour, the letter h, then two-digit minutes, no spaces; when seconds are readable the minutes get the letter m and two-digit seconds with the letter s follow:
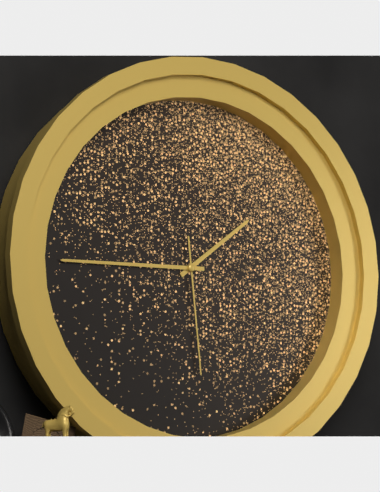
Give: 1h45m29s
